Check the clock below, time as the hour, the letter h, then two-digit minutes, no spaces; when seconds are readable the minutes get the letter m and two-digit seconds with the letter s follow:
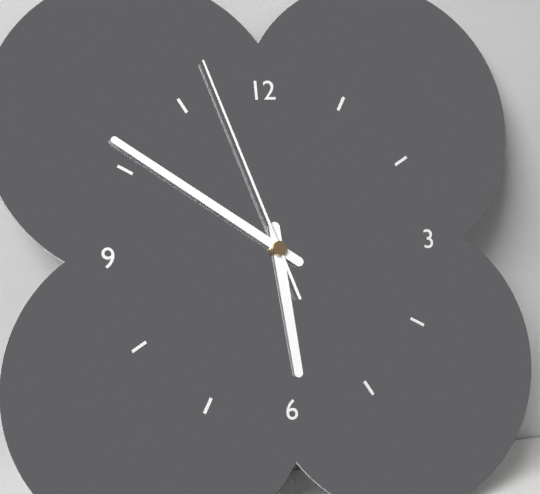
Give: 5h51m57s
